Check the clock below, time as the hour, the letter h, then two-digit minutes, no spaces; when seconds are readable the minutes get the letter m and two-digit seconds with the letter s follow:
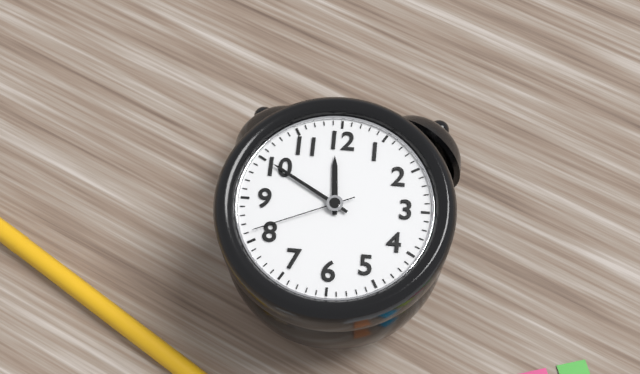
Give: 11h50m41s
